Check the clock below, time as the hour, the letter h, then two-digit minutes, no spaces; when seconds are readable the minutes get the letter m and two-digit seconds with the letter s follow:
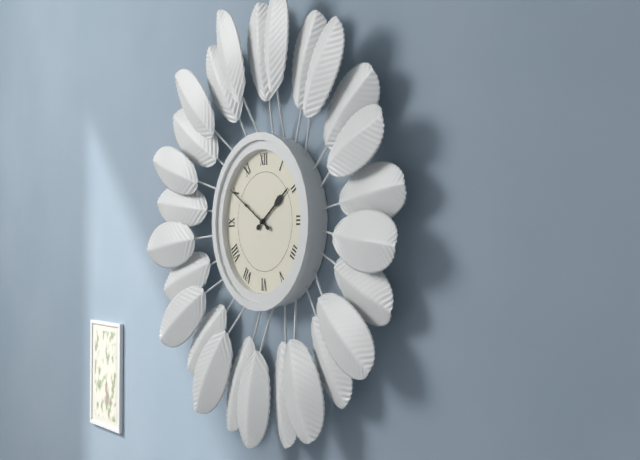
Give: 1h50
